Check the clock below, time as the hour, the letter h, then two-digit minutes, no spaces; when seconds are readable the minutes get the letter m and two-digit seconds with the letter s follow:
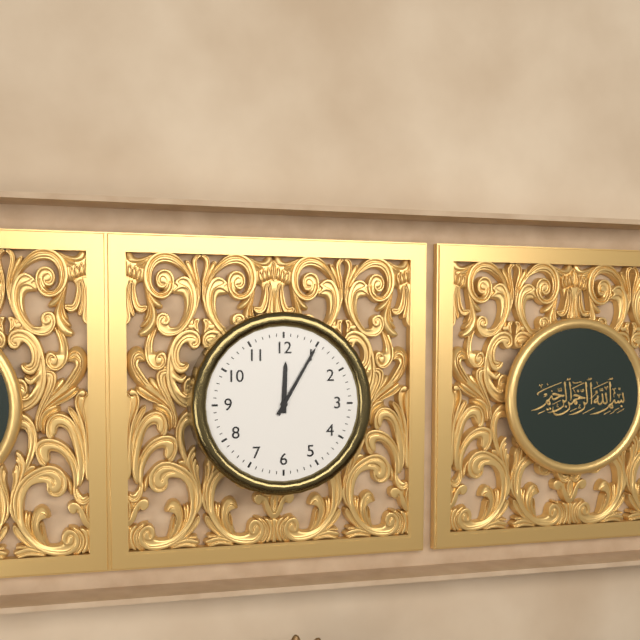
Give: 12h05
